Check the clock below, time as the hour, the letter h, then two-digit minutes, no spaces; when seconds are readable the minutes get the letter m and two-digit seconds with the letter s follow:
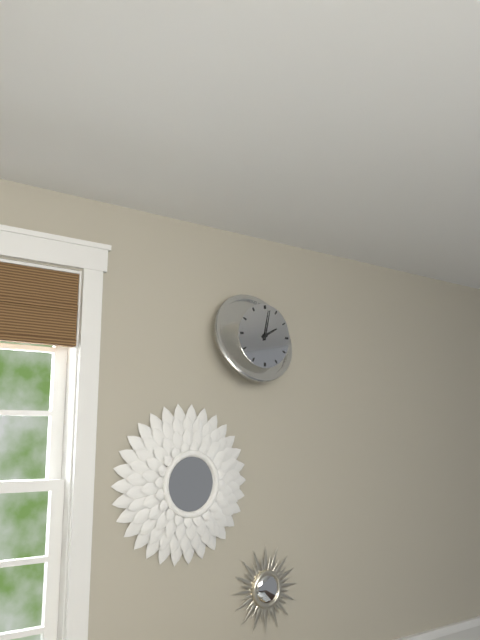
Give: 2h02
